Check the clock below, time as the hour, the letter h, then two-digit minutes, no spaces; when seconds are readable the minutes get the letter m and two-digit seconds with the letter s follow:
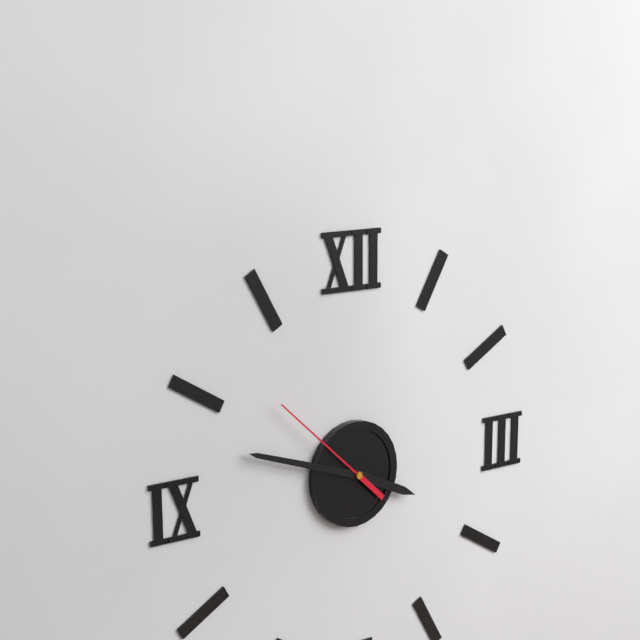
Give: 3h48m52s
